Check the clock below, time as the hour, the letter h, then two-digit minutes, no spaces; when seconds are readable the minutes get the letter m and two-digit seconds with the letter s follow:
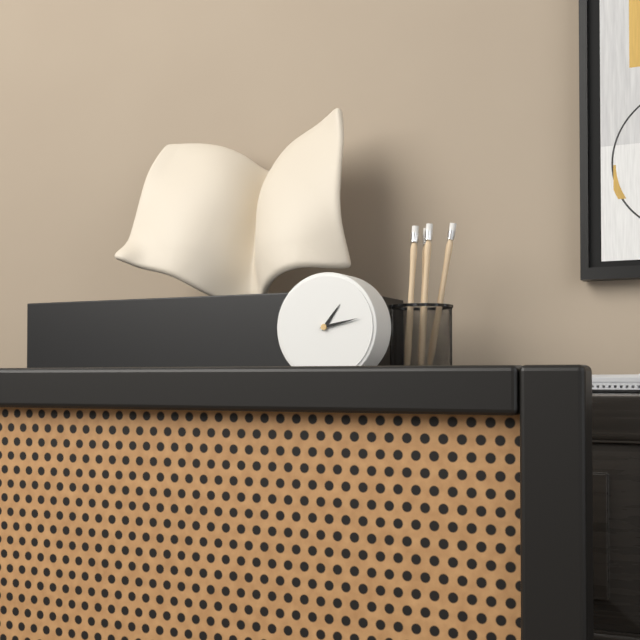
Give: 1h13
